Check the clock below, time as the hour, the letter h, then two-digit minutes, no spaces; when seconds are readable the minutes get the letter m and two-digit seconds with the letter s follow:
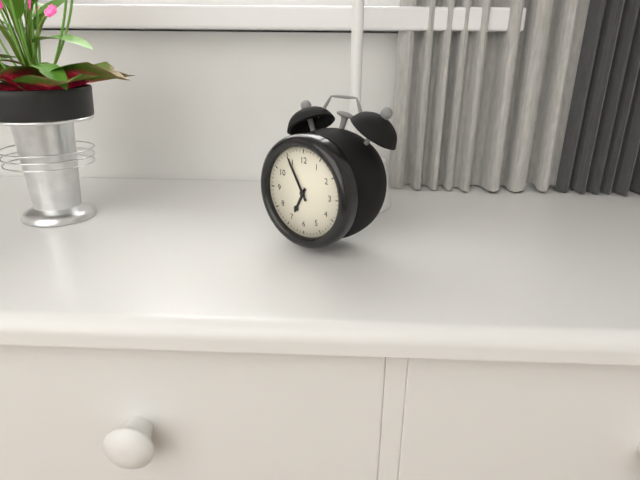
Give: 6h55
